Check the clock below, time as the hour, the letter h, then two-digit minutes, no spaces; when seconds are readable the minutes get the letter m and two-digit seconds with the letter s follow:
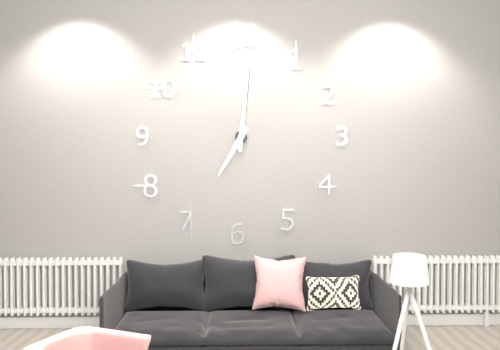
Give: 7h01
